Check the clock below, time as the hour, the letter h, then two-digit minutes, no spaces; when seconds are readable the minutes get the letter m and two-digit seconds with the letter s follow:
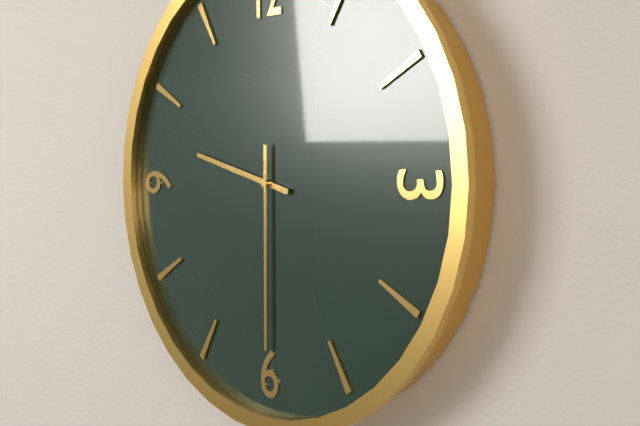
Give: 9h30
